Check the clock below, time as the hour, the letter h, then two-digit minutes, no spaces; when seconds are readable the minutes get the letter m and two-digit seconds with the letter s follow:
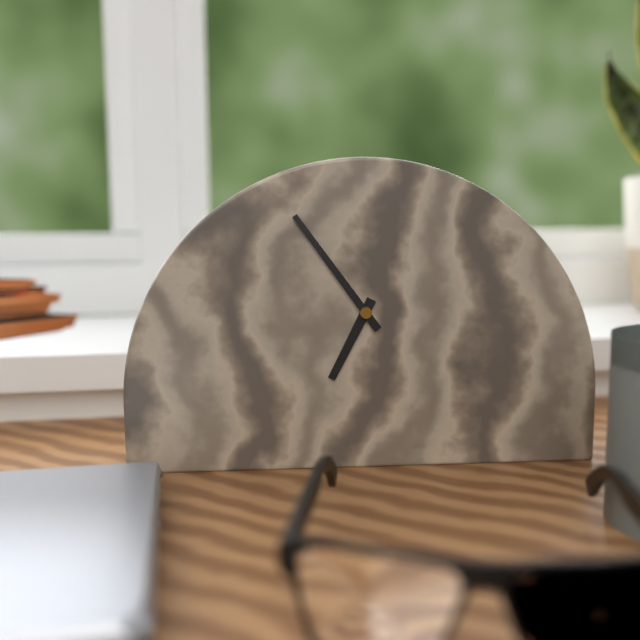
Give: 6h54
